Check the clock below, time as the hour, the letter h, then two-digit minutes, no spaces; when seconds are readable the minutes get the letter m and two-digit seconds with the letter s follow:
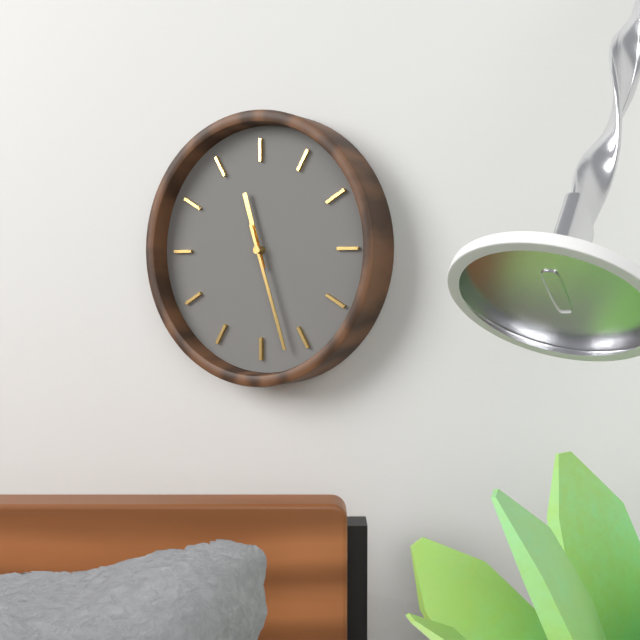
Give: 11h27
